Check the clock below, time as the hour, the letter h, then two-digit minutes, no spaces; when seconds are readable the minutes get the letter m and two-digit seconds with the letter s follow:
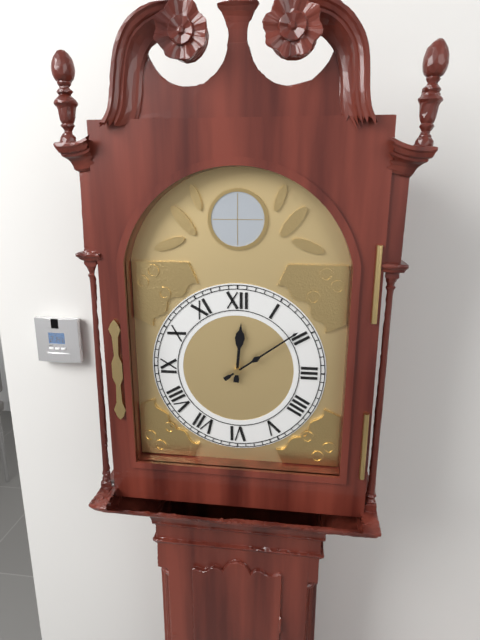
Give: 12h09
